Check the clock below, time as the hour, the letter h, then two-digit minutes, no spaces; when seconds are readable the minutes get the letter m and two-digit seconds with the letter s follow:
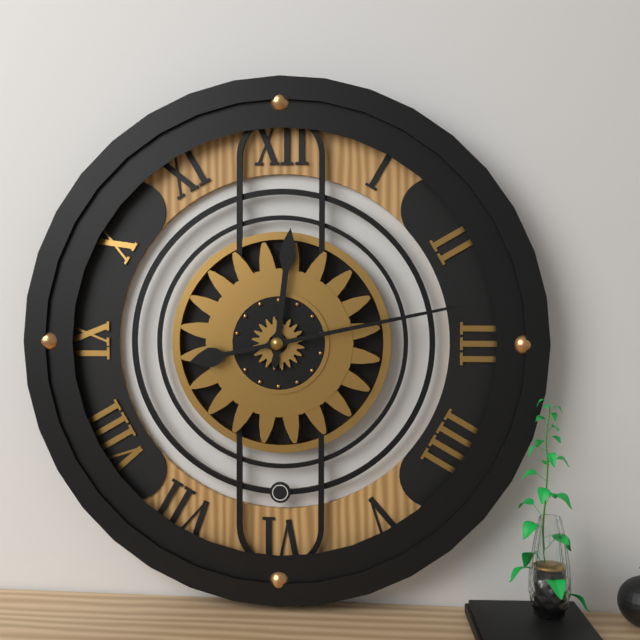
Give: 12h13
